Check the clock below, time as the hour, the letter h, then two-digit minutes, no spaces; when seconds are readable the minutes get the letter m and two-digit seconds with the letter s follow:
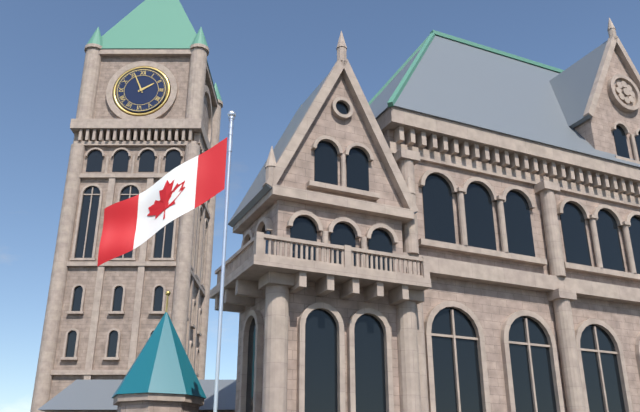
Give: 1h56
